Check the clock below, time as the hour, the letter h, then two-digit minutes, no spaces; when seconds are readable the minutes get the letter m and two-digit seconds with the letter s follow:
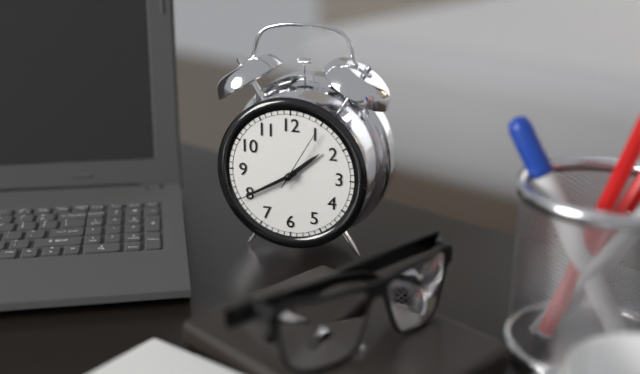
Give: 1h40m05s
